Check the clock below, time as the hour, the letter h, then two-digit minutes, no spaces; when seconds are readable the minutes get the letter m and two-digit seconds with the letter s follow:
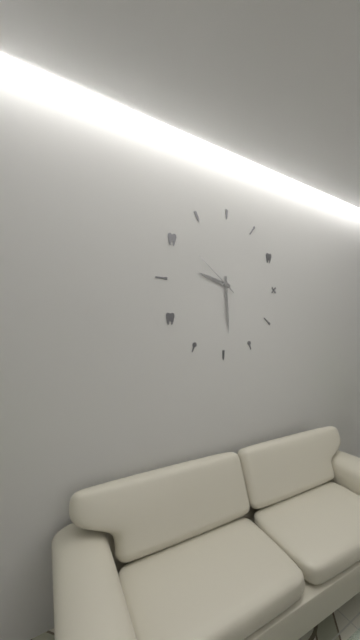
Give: 9h29m51s
